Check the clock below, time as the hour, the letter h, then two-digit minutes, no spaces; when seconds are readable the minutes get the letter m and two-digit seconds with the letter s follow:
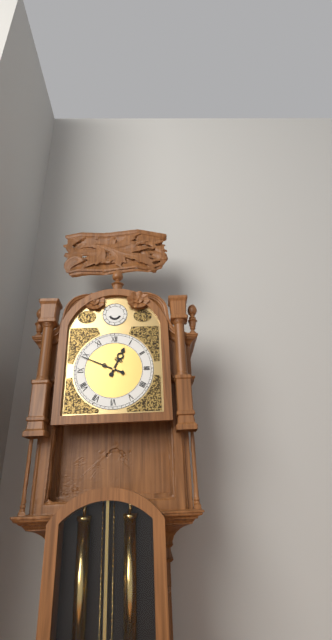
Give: 12h49
